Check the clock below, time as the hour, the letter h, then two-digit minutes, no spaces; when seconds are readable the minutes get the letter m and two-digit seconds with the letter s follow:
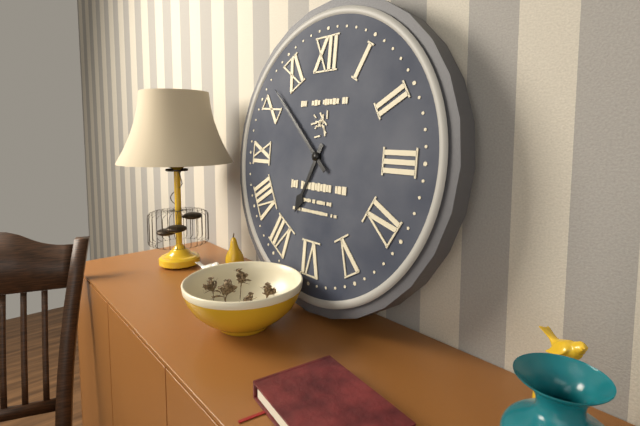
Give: 6h52
